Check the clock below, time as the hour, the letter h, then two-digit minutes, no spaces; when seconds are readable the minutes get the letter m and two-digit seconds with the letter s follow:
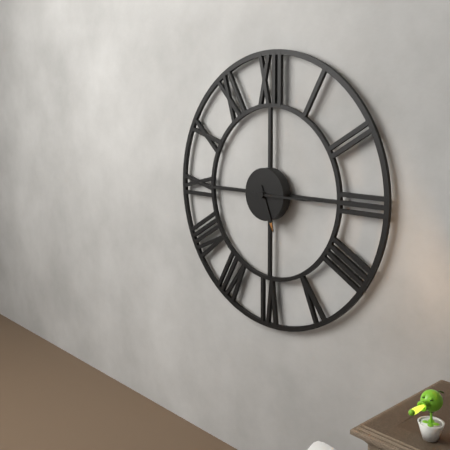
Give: 5h15
